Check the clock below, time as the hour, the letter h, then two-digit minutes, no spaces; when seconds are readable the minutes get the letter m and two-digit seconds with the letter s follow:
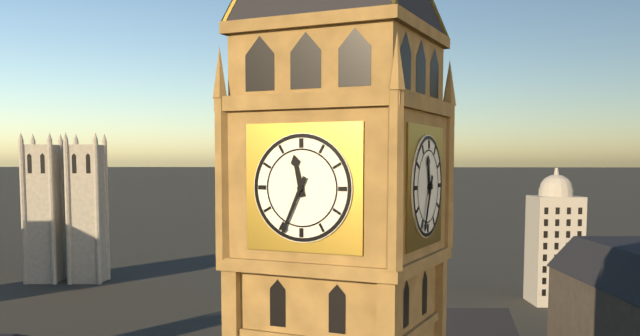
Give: 11h34
